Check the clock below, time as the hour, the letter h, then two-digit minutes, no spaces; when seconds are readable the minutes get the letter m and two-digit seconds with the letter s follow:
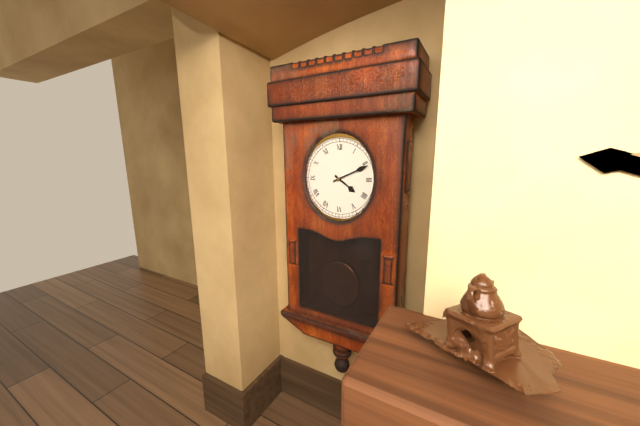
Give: 4h11
